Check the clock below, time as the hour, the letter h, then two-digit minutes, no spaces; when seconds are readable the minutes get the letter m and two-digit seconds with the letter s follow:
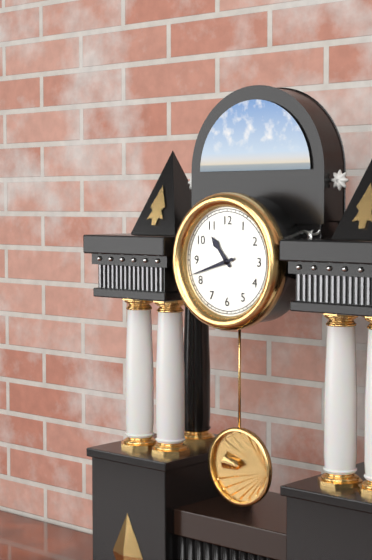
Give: 10h42
